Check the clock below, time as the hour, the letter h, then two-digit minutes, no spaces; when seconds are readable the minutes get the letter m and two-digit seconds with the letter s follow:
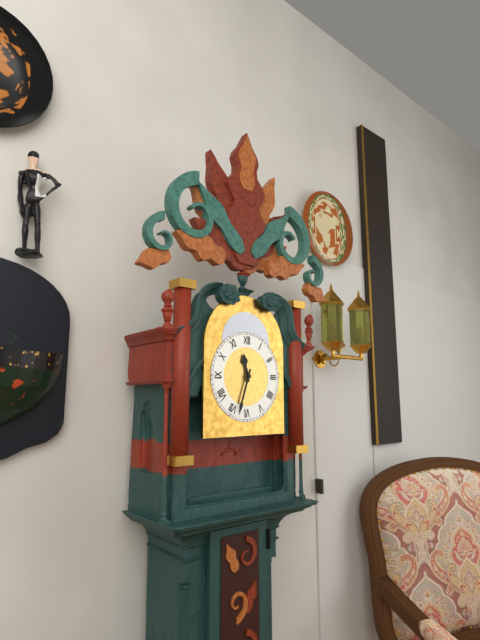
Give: 11h33
